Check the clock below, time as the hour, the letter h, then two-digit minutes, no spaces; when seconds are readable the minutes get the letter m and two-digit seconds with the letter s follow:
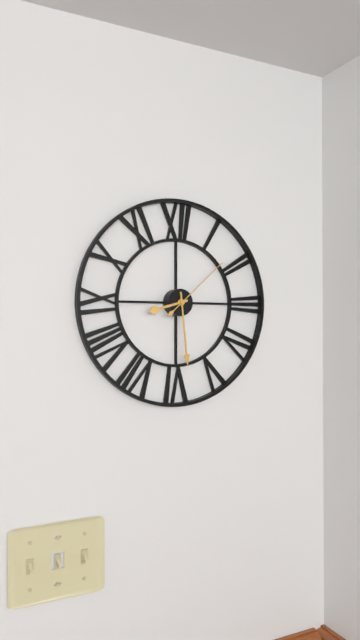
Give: 8h29m08s
